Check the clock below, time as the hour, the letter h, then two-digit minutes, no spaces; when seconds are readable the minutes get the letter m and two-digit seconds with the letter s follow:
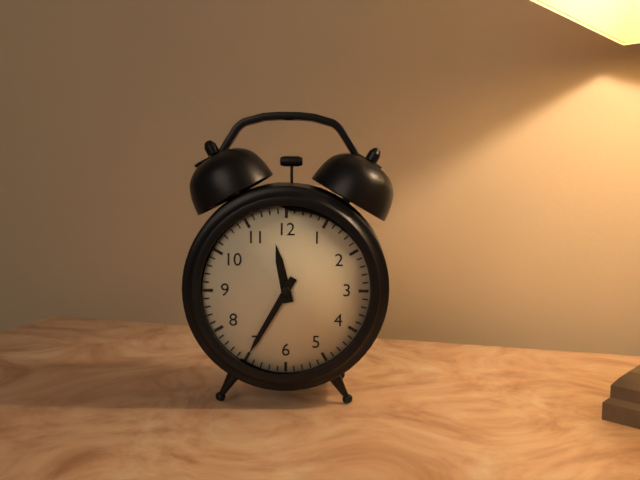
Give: 11h35
